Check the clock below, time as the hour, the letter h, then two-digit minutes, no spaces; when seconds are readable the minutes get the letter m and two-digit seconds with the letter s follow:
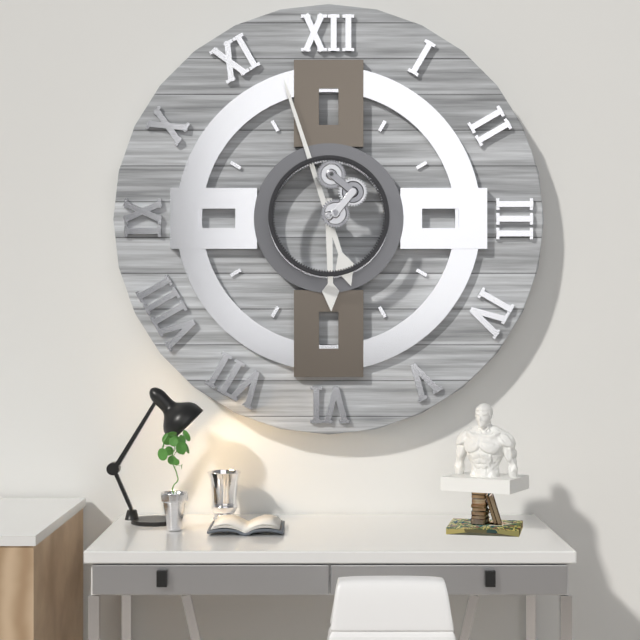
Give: 5h57
